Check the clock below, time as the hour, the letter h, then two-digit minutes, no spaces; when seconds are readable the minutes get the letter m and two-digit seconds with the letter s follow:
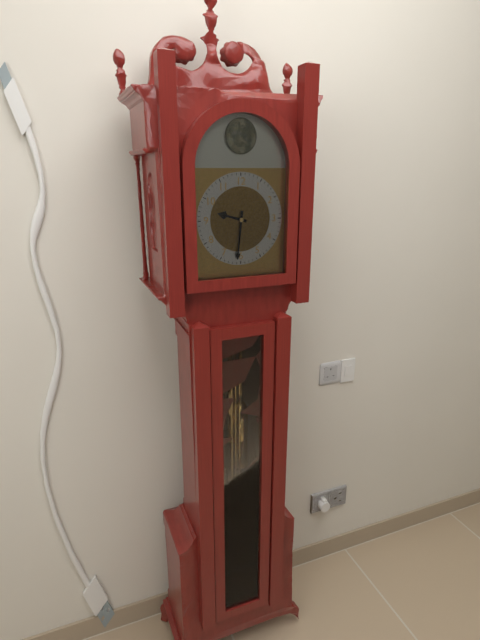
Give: 9h31
